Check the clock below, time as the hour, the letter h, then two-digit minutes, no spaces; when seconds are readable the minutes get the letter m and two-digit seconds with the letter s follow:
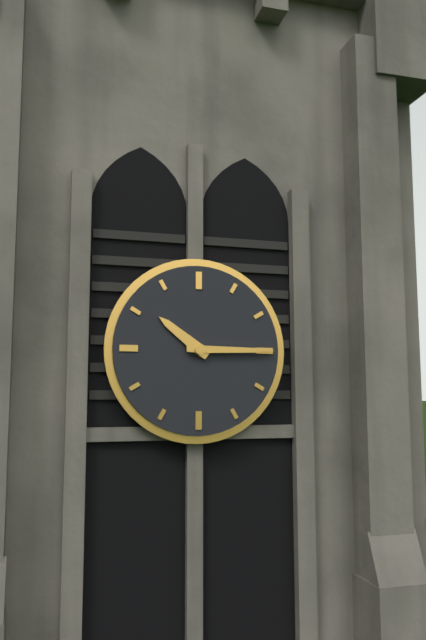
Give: 10h15
